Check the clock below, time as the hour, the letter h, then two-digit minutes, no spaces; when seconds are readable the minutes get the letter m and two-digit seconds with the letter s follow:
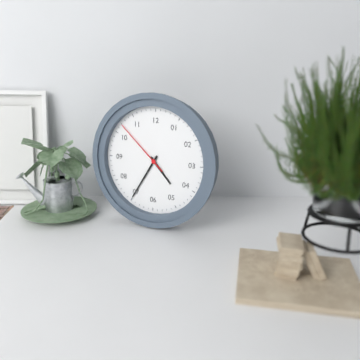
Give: 4h35m52s
